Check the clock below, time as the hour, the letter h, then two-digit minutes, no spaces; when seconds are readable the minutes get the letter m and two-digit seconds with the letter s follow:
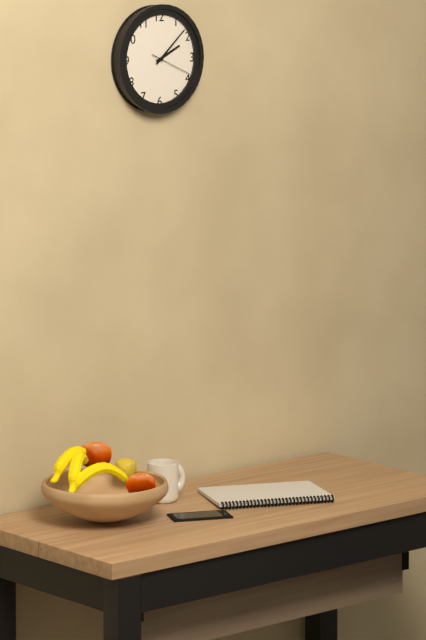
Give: 2h08
